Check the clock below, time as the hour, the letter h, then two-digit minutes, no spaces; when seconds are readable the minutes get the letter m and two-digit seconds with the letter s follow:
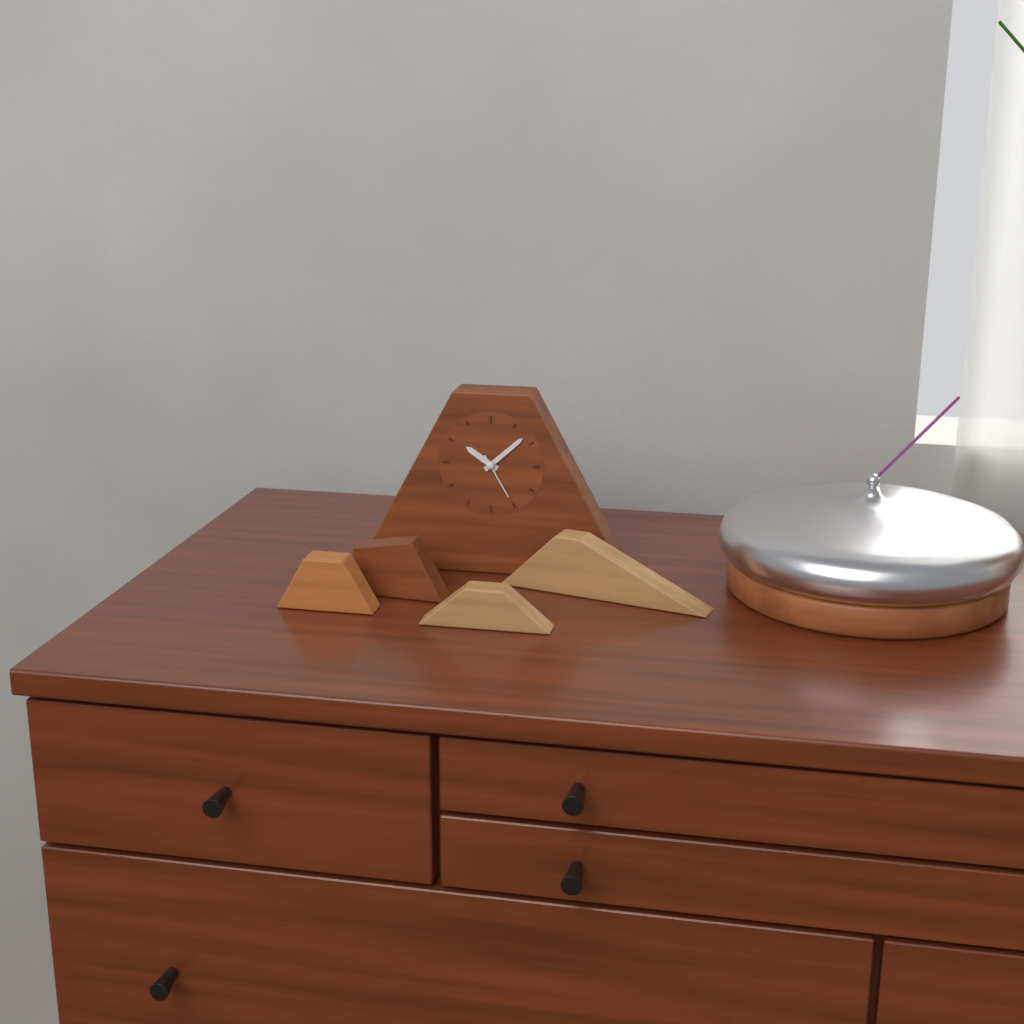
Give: 10h08
